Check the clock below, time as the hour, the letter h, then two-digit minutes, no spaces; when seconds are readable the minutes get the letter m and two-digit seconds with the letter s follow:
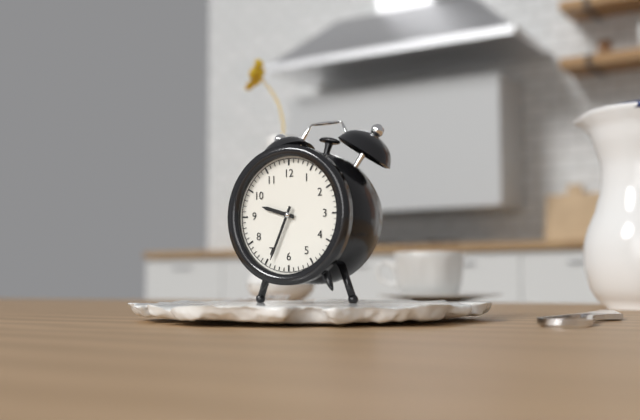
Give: 9h34
